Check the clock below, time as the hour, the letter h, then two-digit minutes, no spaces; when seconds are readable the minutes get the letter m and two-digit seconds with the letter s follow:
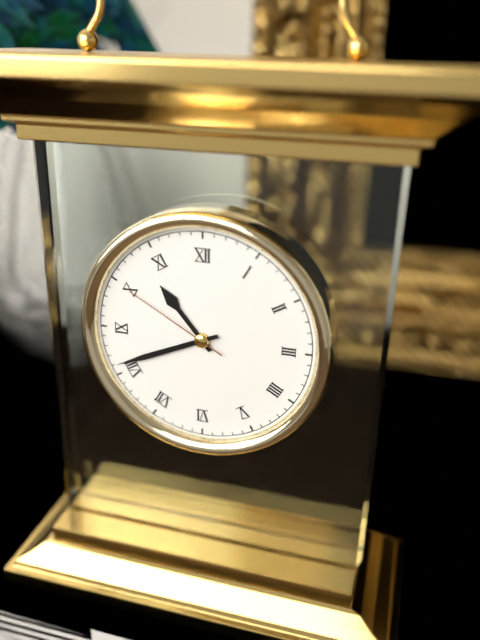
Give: 10h41m50s
